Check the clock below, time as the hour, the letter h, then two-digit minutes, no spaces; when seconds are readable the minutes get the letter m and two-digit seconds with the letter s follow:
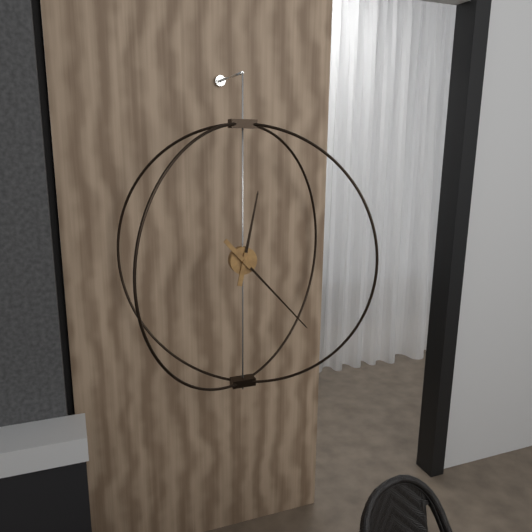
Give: 12h23
